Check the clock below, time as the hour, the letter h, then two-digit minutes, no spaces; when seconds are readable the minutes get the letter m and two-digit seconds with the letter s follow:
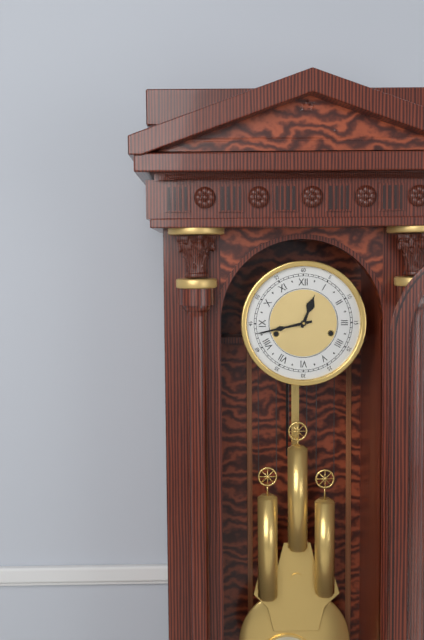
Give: 12h43
